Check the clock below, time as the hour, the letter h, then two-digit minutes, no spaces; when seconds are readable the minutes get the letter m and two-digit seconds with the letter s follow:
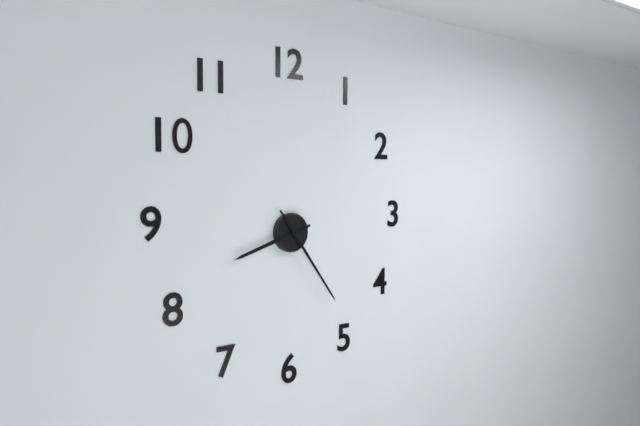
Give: 8h24
